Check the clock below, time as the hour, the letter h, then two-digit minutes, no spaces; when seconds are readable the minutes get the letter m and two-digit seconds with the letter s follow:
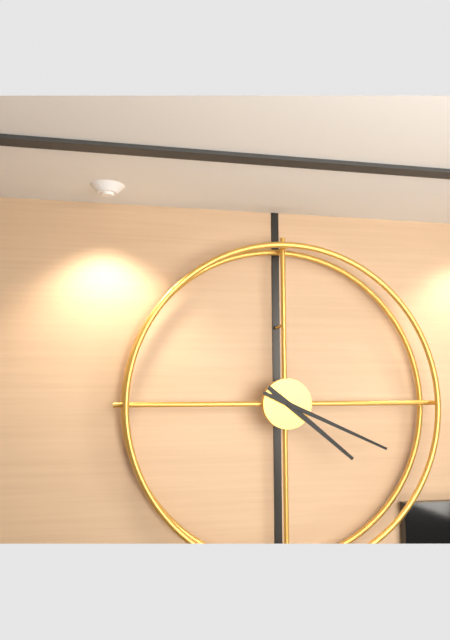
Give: 4h19
